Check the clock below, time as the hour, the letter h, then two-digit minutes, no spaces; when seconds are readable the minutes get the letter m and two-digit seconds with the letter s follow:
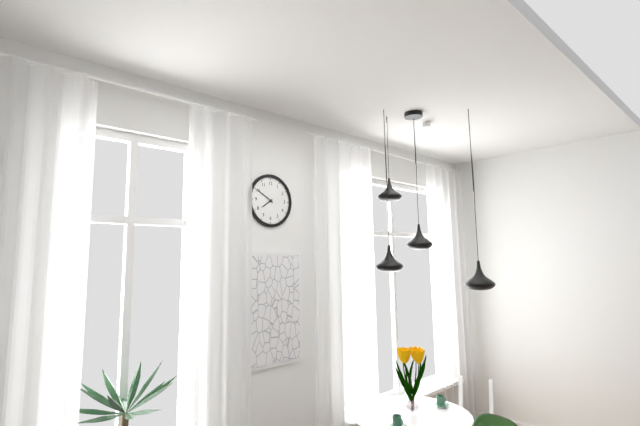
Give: 7h50
